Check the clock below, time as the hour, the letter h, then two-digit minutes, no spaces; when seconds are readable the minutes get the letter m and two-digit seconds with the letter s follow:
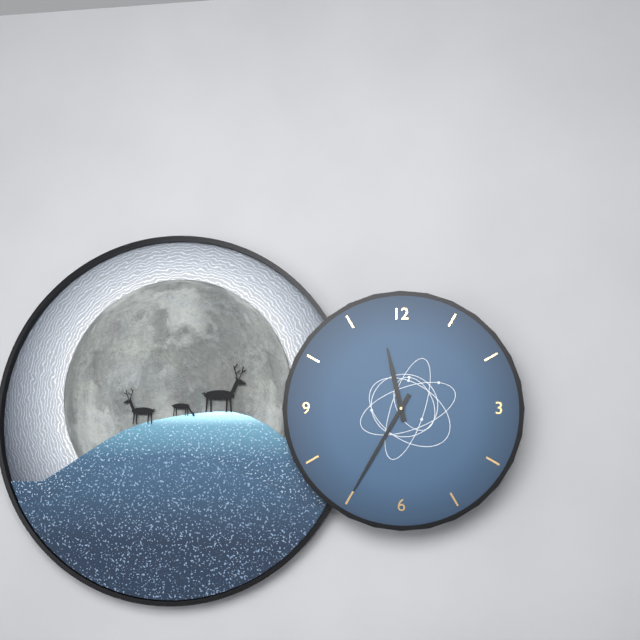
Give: 11h35
